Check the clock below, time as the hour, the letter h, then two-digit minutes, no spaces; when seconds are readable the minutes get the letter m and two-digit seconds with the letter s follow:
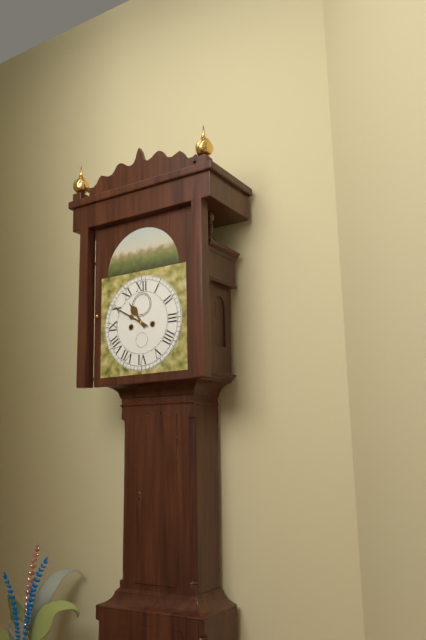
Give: 10h50
